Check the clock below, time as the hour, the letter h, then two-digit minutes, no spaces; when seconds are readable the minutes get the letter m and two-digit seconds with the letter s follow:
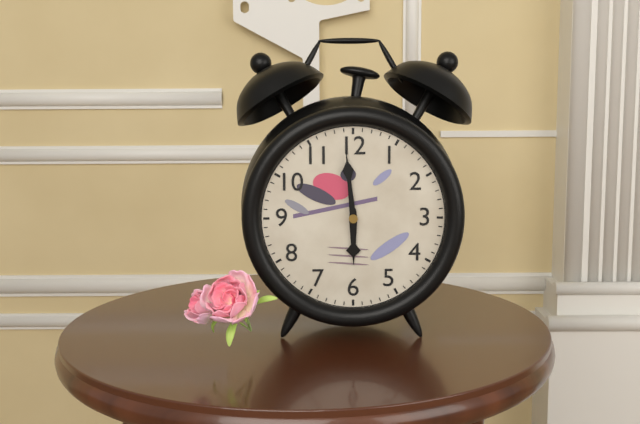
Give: 5h59
